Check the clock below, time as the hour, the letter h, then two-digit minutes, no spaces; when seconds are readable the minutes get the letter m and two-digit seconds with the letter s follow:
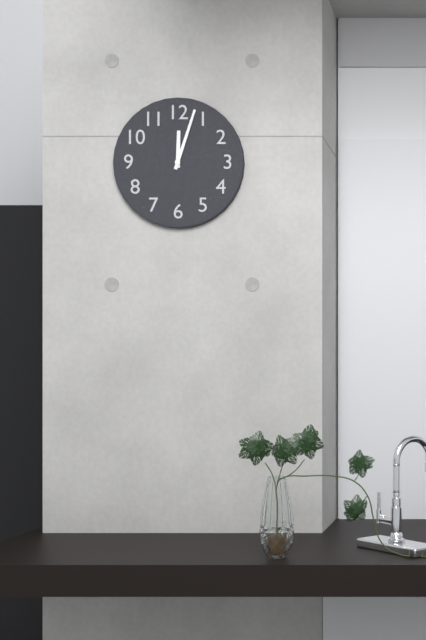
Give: 12h03
